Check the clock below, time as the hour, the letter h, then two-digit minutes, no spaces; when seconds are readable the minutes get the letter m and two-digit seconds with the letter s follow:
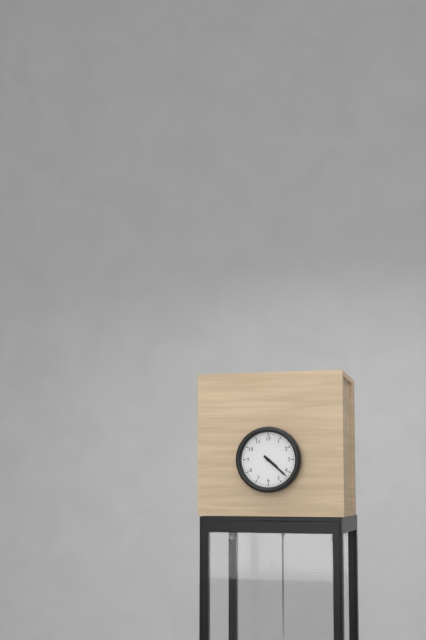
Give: 4h22
